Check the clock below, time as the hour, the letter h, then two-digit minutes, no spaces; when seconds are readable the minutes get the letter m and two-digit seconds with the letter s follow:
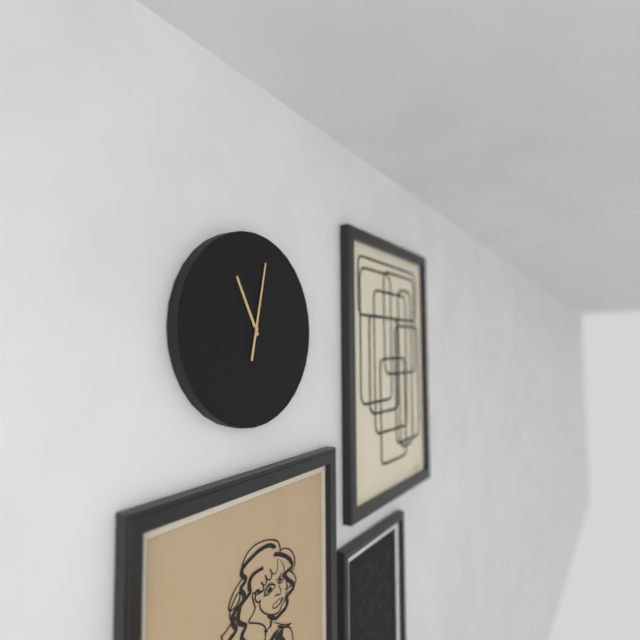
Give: 11h02
